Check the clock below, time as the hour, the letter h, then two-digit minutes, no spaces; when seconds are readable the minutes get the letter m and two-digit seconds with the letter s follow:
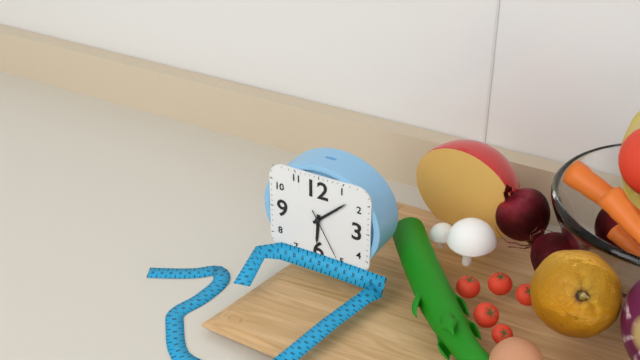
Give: 6h08m25s
